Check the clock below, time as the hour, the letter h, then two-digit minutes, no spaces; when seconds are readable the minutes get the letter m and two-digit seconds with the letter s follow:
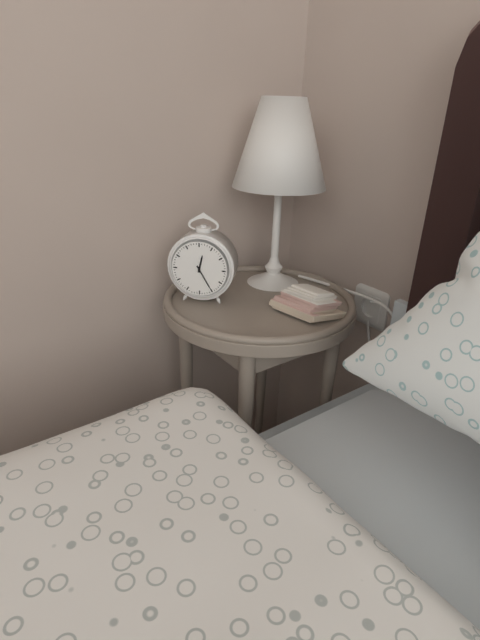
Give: 12h25
